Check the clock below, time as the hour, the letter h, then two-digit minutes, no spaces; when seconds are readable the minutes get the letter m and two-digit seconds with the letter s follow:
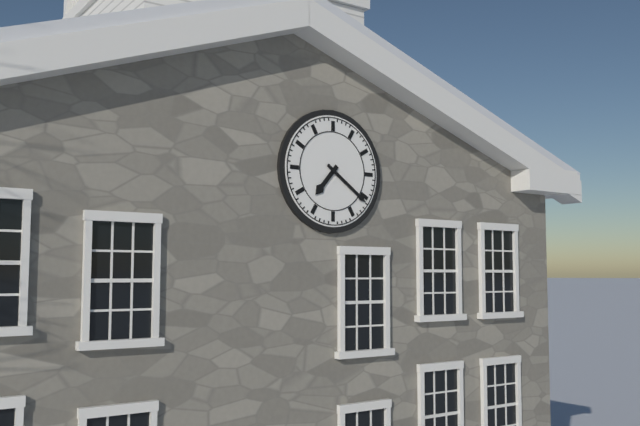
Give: 7h21
